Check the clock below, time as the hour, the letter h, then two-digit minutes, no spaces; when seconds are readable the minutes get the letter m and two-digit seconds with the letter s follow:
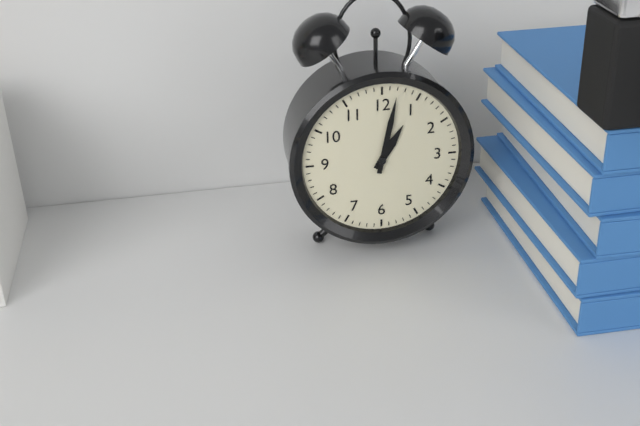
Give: 1h02
